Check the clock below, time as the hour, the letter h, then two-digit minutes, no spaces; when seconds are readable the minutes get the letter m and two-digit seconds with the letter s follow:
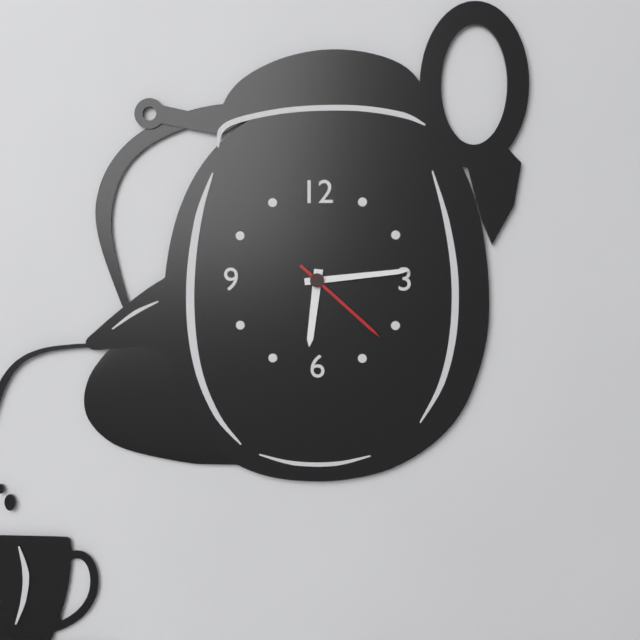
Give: 6h14m22s
